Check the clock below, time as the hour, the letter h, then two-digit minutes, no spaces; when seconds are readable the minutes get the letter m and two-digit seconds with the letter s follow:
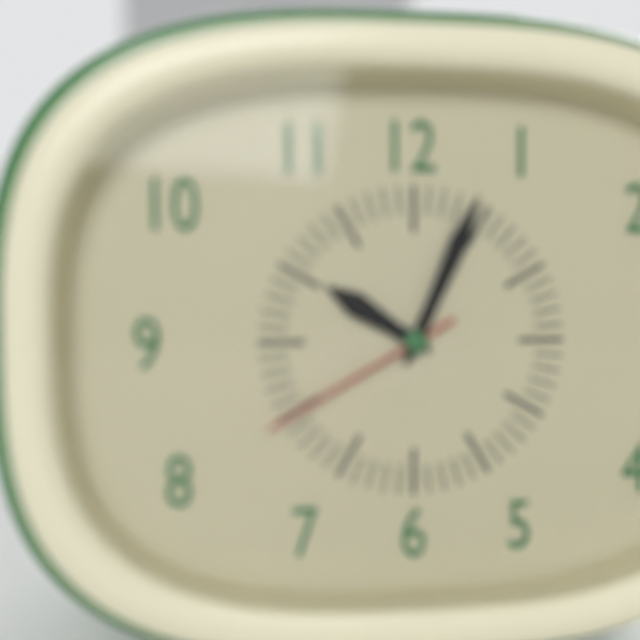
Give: 10h04m40s
